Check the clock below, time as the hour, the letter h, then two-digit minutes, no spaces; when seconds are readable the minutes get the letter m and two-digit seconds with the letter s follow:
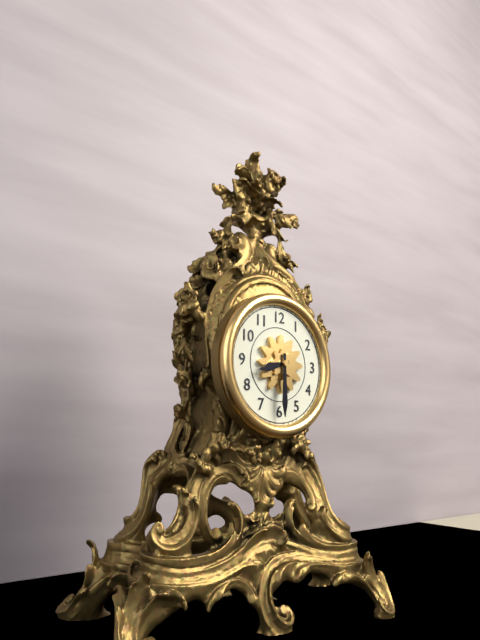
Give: 8h30
